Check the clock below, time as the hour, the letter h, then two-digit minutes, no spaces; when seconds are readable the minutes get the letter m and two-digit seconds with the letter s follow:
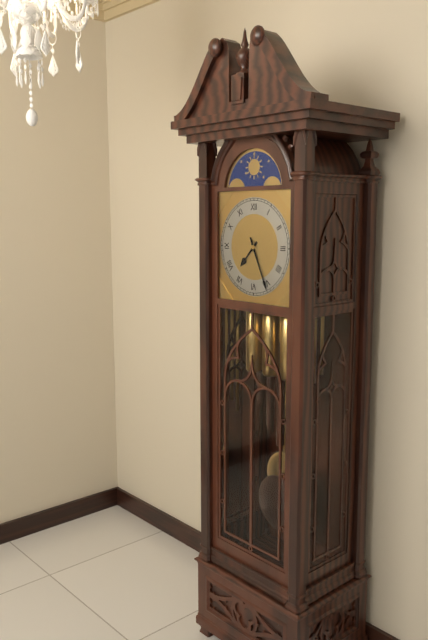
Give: 7h26
